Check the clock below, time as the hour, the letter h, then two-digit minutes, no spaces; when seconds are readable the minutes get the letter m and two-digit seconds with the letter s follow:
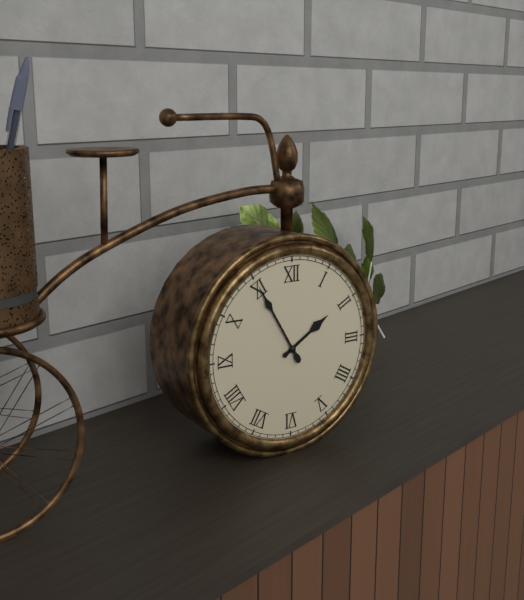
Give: 1h55
